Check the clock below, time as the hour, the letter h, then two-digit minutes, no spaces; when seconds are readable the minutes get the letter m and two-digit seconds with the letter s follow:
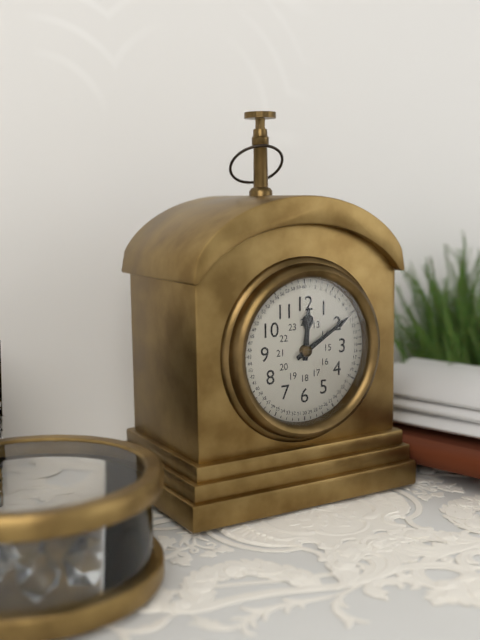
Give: 12h10
